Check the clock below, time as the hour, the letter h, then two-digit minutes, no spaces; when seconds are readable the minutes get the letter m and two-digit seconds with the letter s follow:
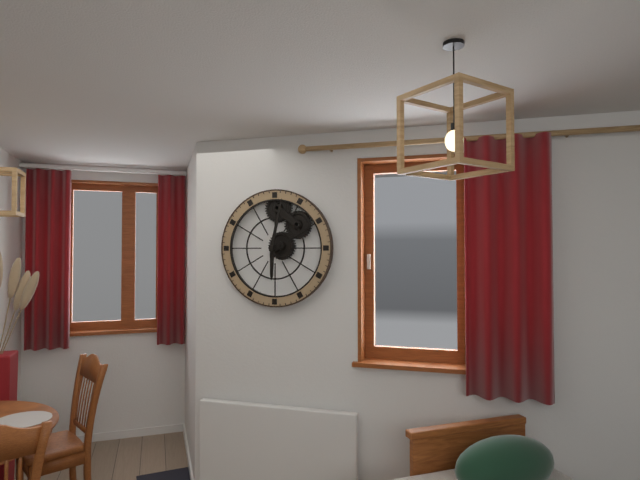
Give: 6h02
